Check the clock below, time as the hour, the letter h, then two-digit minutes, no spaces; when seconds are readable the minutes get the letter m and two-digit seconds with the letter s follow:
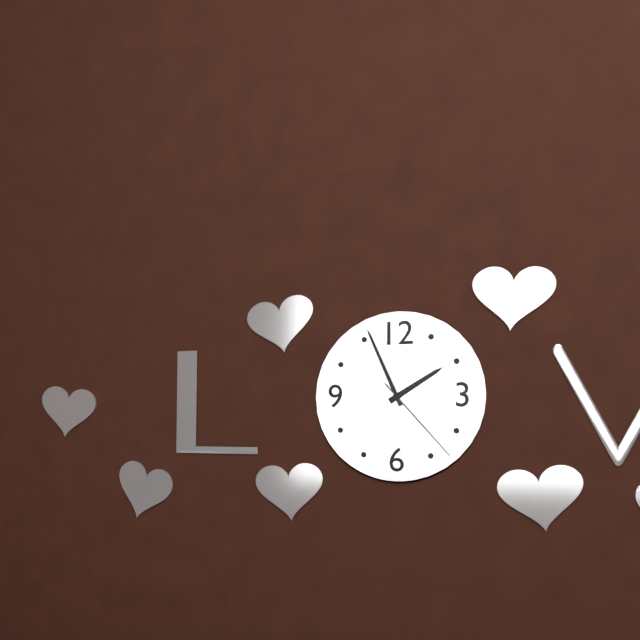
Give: 1h56m23s
